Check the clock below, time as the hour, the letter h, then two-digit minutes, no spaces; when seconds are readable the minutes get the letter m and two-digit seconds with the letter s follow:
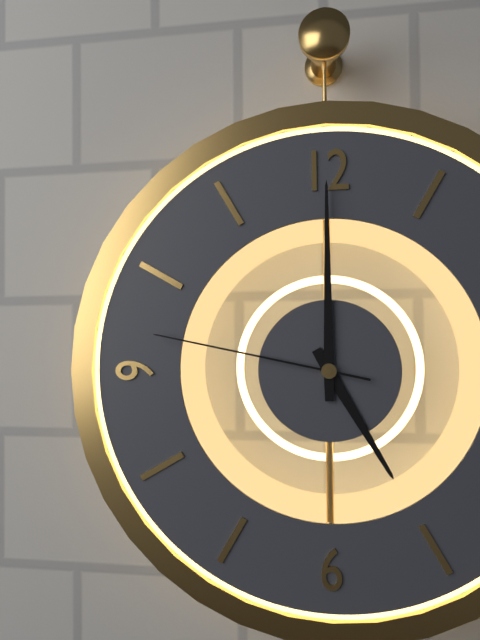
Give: 5h00m47s
